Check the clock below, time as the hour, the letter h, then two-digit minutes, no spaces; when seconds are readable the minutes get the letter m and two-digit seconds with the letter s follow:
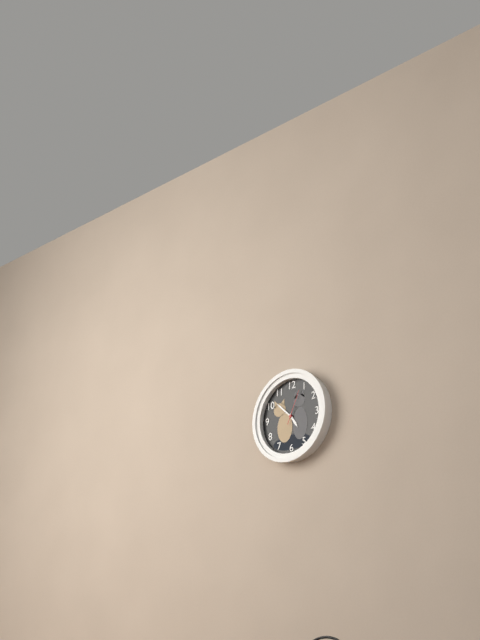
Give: 4h52
